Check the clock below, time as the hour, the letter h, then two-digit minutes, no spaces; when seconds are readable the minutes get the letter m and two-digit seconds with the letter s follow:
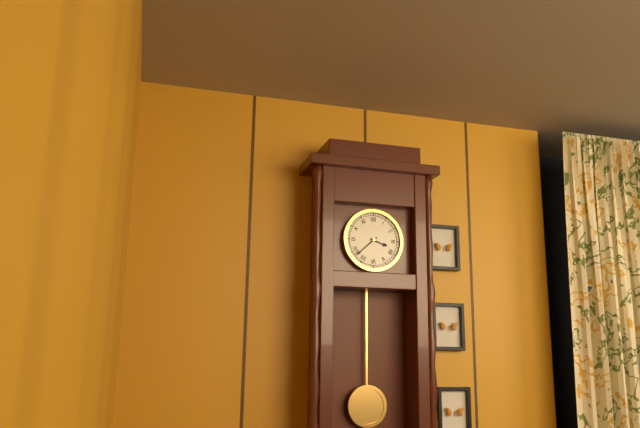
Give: 3h38
